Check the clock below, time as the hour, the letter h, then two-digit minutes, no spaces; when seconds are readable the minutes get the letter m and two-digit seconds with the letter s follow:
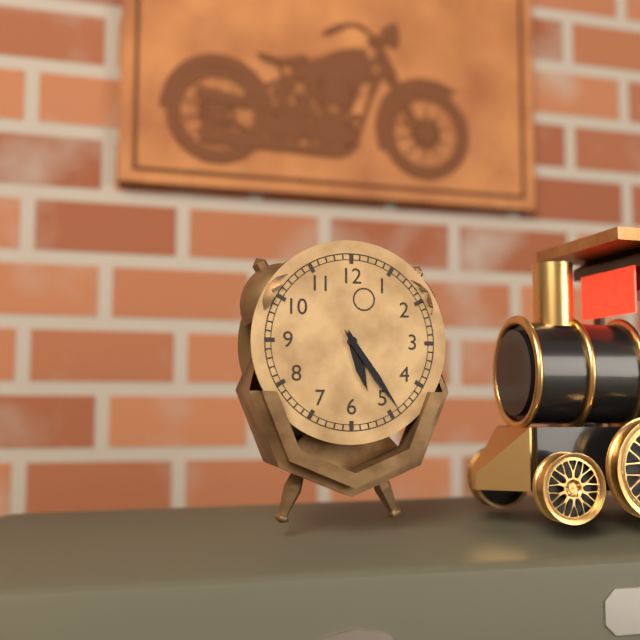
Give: 5h24
